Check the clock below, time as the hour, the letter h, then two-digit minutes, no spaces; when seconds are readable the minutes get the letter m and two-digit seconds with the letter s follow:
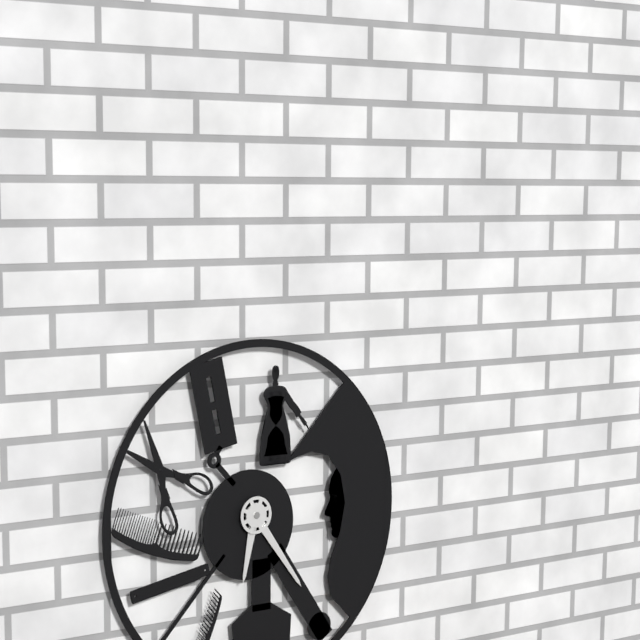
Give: 6h24
